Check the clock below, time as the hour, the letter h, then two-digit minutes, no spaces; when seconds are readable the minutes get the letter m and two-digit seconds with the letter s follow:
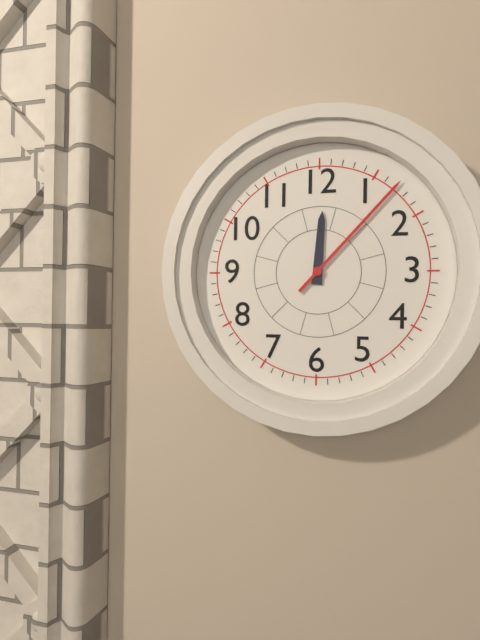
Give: 12h07
